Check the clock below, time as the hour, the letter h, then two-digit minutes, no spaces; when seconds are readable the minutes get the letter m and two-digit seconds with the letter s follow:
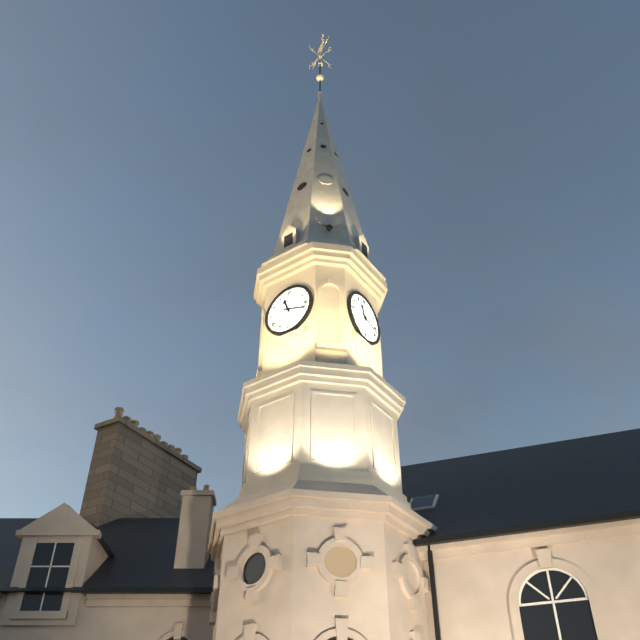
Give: 11h18
